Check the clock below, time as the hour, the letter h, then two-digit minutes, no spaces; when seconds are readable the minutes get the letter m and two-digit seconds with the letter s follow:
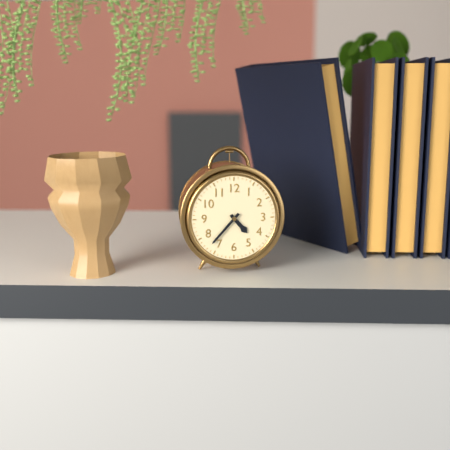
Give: 4h37
